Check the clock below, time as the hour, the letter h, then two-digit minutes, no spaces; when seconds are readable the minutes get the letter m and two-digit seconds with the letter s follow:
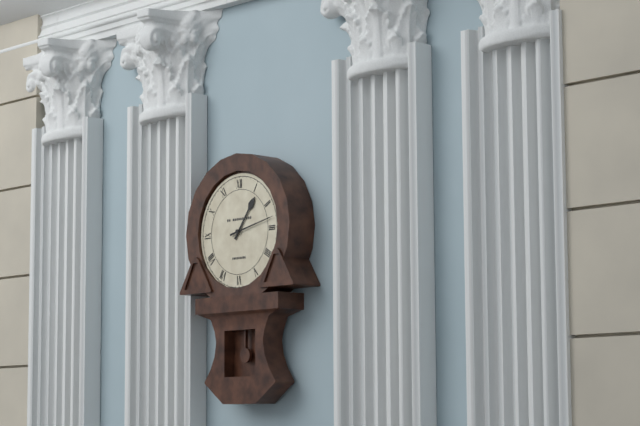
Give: 1h13
